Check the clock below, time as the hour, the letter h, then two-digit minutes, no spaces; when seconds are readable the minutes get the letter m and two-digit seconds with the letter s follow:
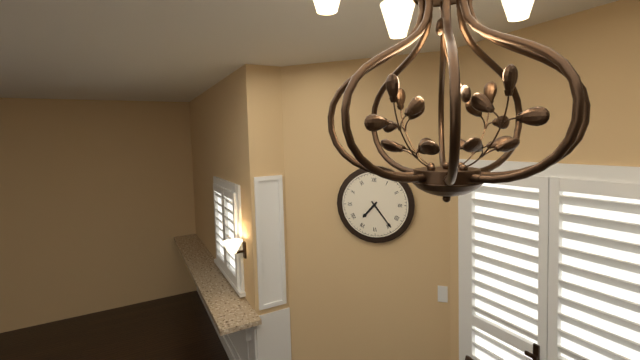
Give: 7h24
